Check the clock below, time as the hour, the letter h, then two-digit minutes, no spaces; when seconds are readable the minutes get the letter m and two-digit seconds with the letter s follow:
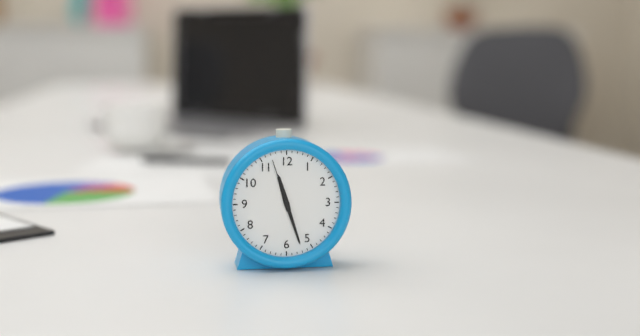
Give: 11h27m57s
